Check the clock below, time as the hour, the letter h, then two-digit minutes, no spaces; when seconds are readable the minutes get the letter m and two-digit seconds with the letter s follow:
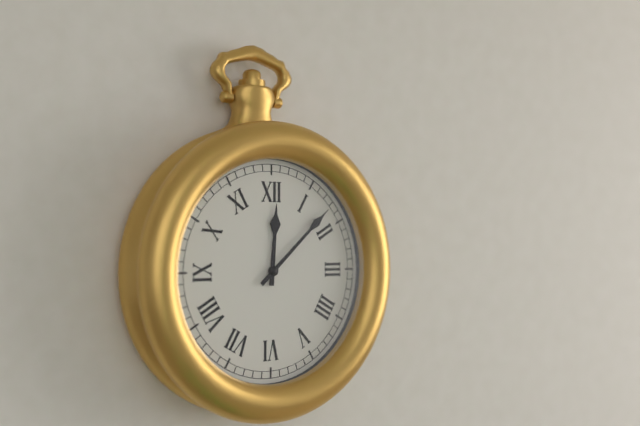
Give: 12h08
